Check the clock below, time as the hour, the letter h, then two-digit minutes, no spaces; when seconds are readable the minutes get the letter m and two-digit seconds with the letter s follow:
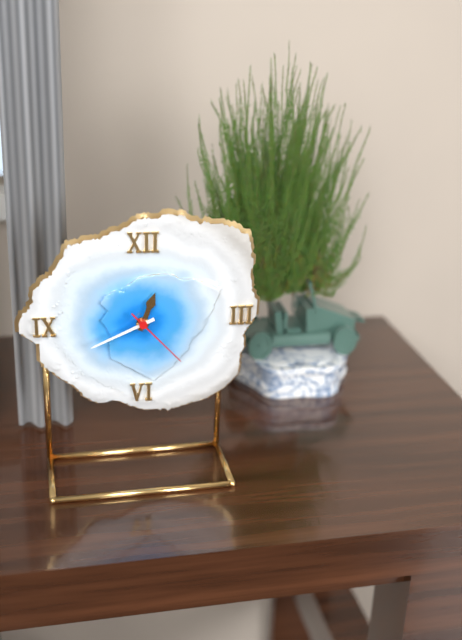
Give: 12h41m23s
